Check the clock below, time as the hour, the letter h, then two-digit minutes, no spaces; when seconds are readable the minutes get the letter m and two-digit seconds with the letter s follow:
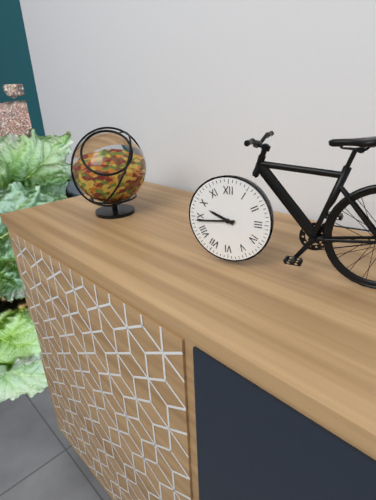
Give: 9h44
